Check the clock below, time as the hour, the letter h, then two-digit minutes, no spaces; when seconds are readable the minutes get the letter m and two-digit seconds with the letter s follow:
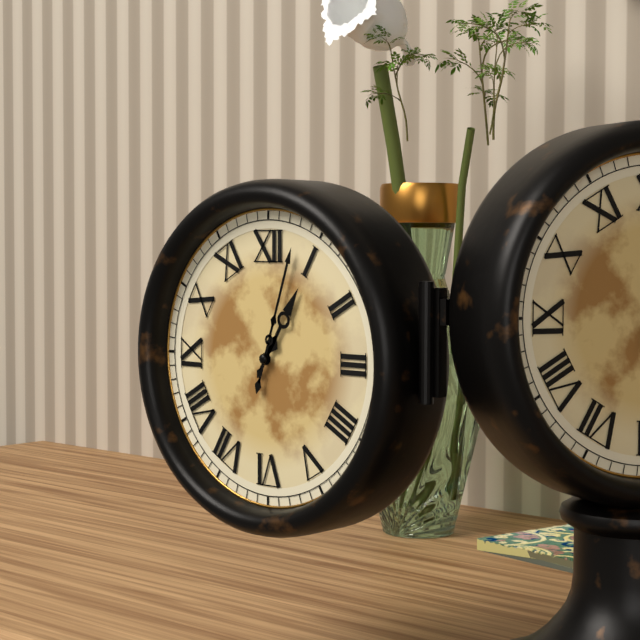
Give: 1h03
